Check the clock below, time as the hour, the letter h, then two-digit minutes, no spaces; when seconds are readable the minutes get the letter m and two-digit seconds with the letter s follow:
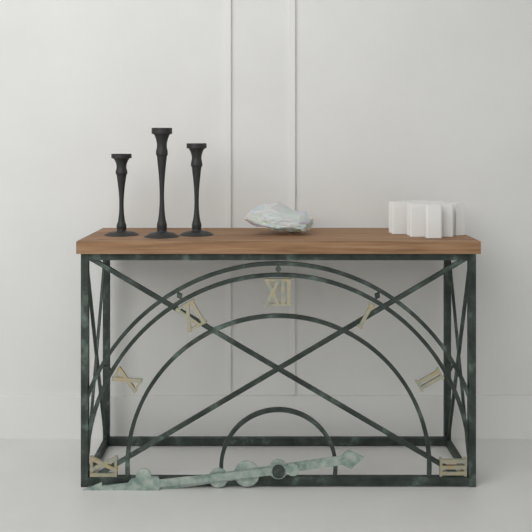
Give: 8h44
